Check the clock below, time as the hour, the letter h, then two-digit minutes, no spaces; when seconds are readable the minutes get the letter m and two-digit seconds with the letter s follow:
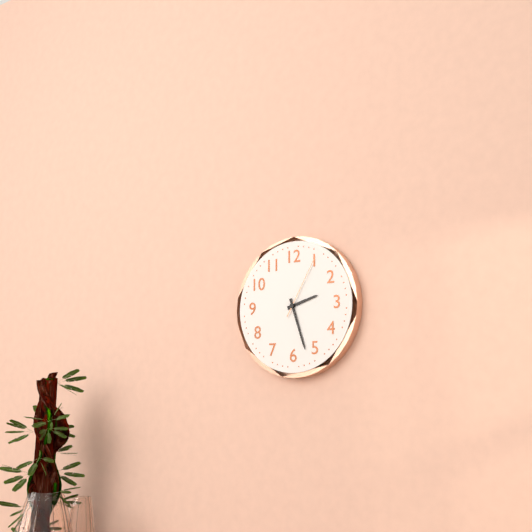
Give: 2h27m05s
